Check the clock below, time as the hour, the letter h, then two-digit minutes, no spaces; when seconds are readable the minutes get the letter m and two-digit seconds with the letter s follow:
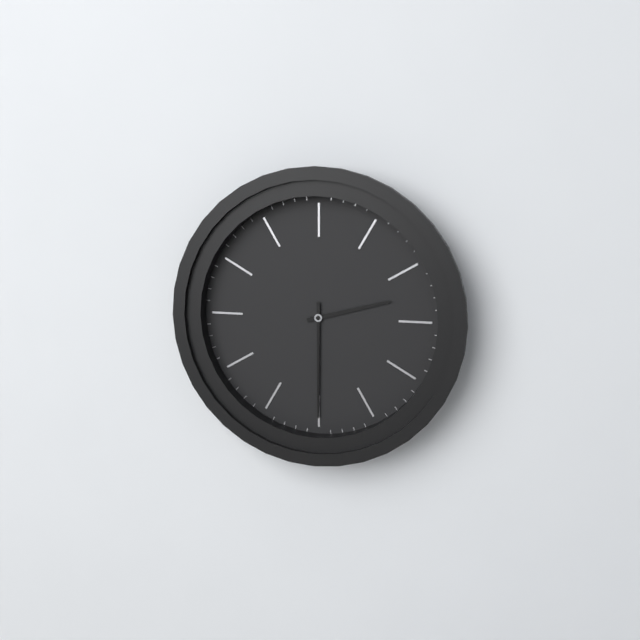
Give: 2h30
